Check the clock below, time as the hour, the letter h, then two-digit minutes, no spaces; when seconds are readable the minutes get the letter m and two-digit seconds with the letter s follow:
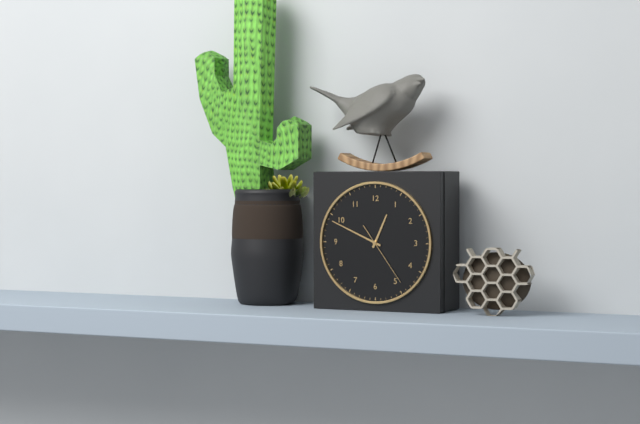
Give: 12h49m24s
